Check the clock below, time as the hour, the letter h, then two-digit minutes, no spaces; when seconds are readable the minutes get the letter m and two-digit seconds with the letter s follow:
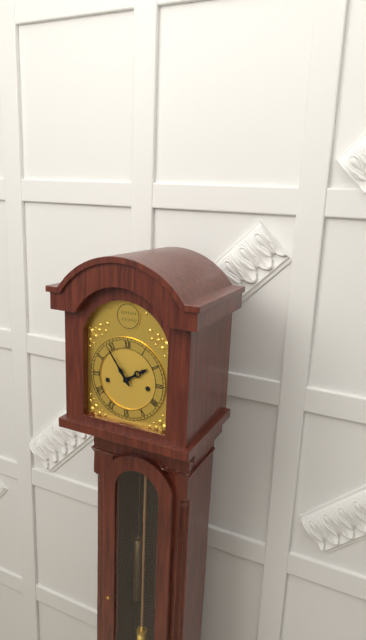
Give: 1h54
